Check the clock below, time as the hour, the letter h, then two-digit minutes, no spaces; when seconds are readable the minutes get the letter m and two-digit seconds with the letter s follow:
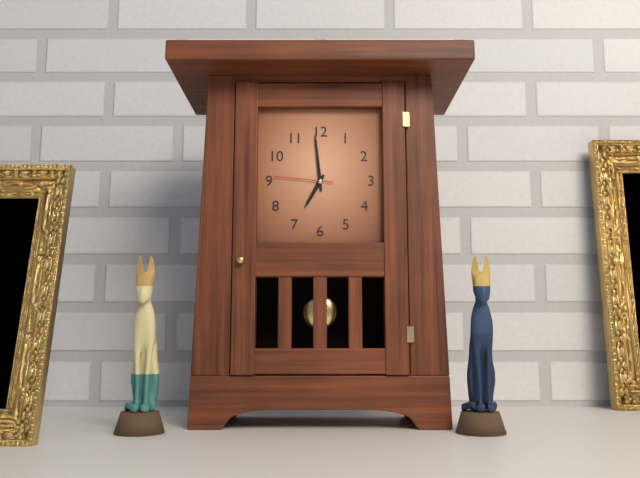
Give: 6h59m46s
